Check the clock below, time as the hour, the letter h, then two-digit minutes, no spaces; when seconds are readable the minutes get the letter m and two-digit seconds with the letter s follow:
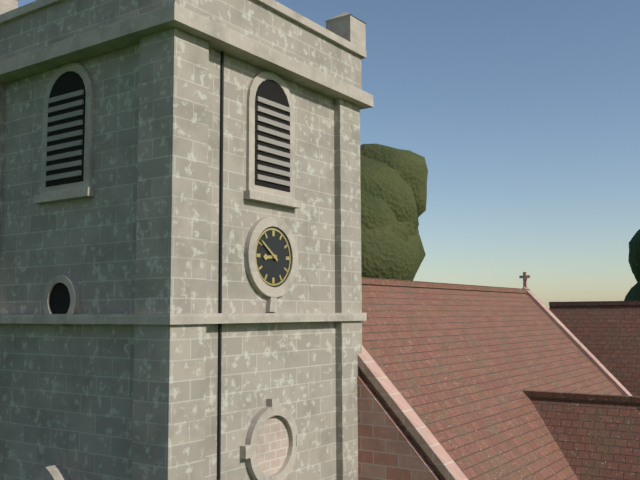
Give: 8h51
